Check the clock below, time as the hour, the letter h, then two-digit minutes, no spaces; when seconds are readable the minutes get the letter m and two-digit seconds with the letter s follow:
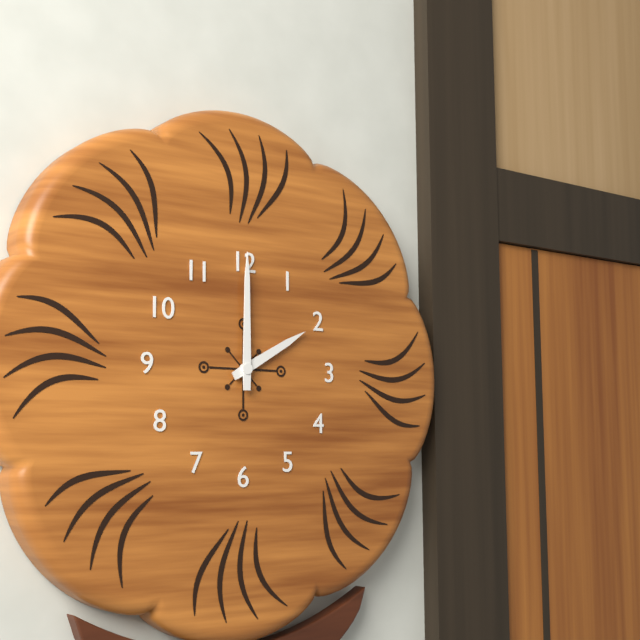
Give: 2h00
